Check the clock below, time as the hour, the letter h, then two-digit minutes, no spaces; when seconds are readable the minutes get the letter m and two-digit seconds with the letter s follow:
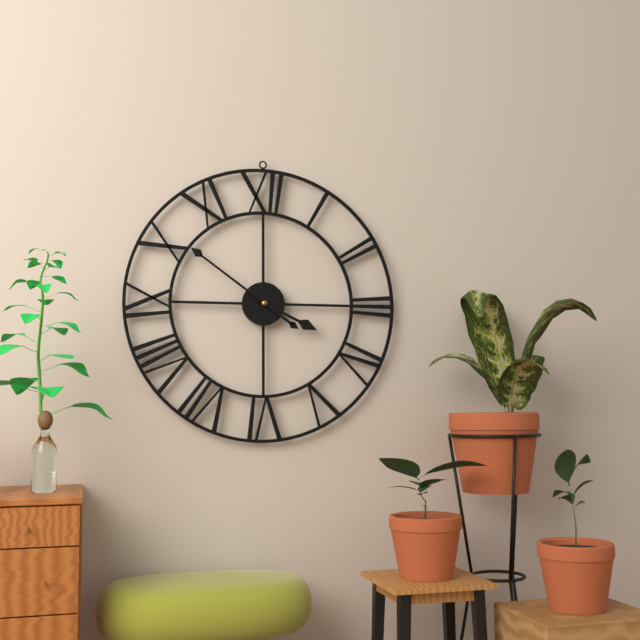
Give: 3h51
